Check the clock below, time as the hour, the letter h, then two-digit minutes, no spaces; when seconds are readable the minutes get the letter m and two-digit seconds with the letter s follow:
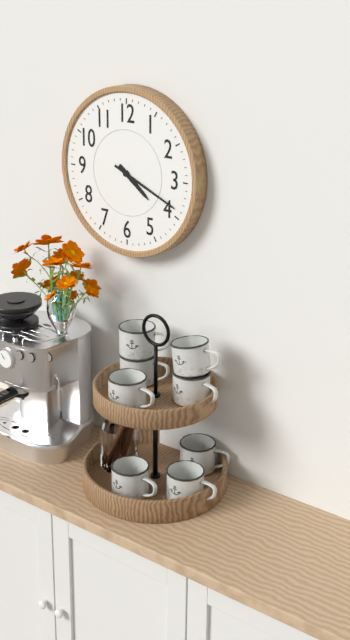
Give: 4h19
